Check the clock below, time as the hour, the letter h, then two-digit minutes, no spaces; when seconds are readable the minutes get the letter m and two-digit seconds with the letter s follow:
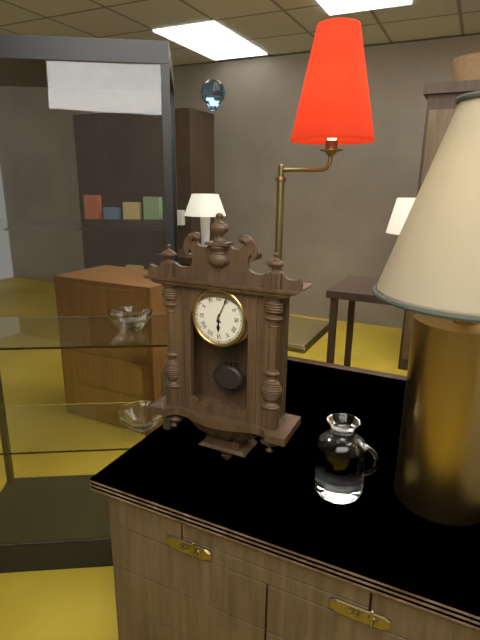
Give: 6h04
